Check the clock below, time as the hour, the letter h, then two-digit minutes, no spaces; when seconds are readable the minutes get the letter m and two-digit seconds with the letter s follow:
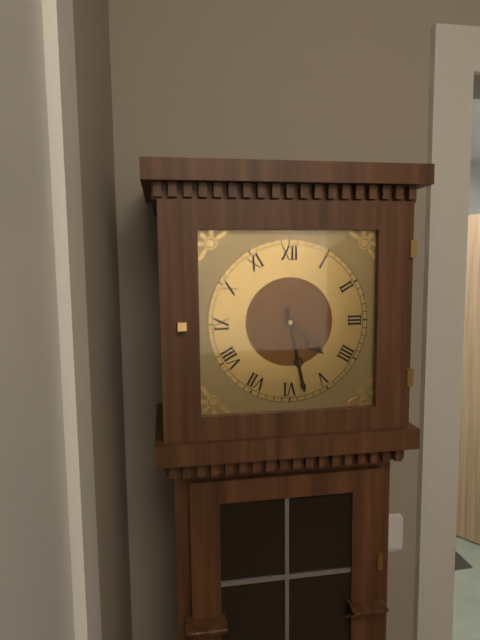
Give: 4h28
